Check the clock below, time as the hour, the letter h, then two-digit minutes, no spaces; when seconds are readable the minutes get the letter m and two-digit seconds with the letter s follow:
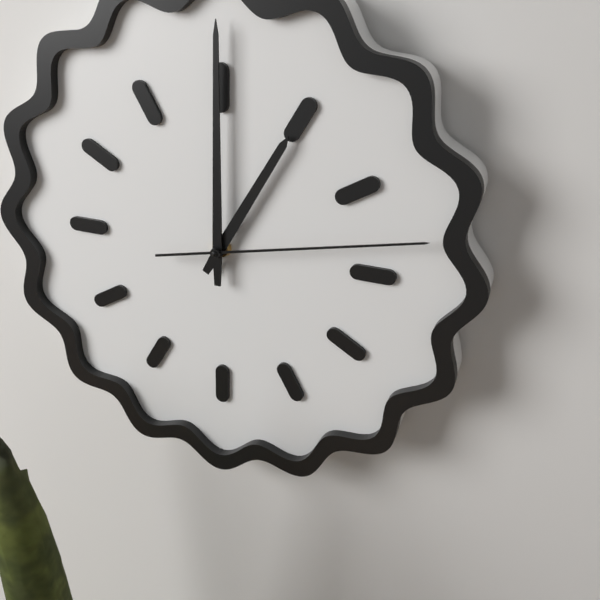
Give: 1h00m13s
